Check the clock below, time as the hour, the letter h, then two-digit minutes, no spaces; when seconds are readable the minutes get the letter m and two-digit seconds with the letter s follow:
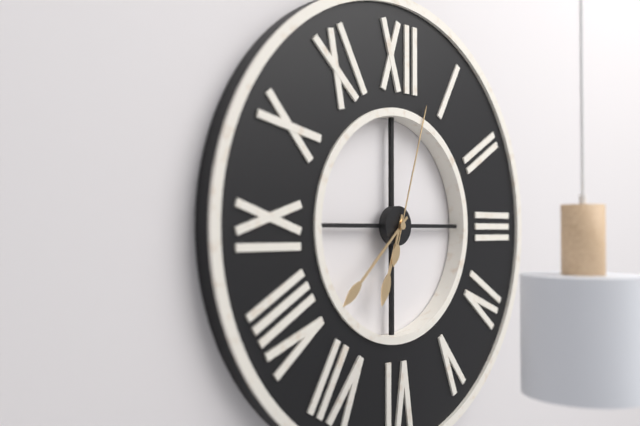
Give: 6h38m03s
